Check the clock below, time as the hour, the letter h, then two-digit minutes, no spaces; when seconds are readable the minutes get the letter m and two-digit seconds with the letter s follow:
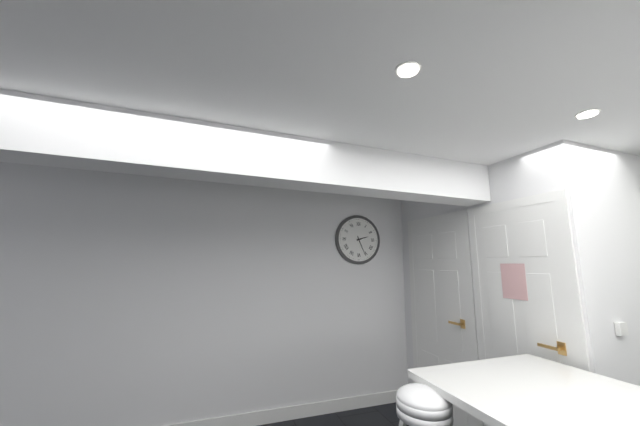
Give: 2h26
